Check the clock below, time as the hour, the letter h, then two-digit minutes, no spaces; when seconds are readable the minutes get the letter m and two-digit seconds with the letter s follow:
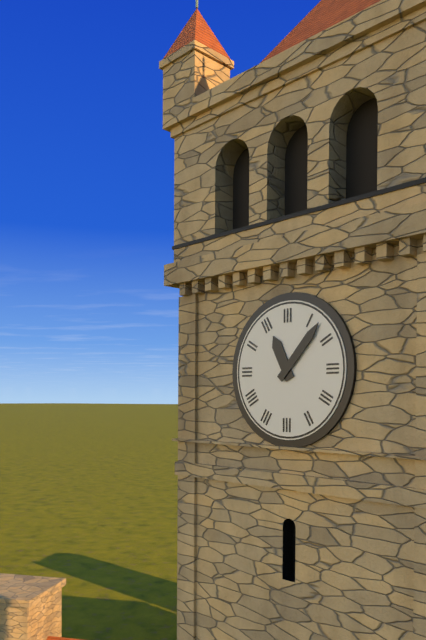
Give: 11h07
